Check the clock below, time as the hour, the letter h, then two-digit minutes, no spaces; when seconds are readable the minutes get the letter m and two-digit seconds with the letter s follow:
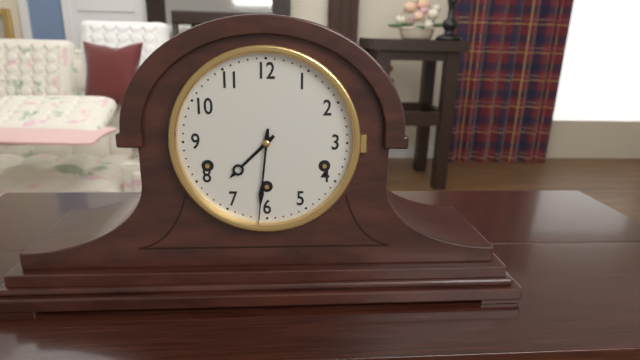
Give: 7h31
